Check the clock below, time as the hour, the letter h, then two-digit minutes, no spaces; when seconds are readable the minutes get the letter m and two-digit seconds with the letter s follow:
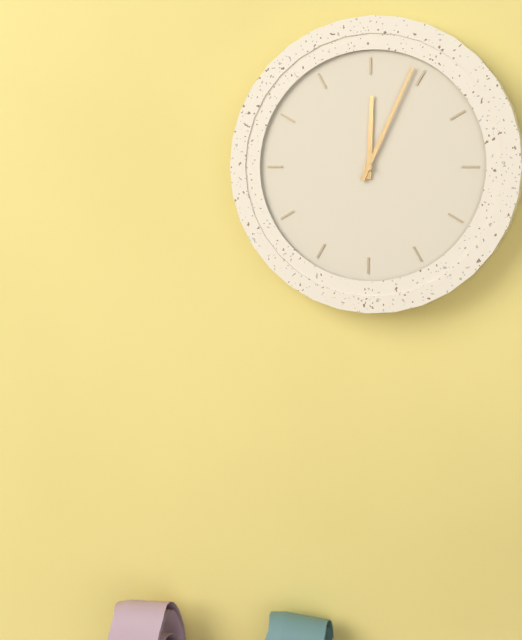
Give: 12h04
